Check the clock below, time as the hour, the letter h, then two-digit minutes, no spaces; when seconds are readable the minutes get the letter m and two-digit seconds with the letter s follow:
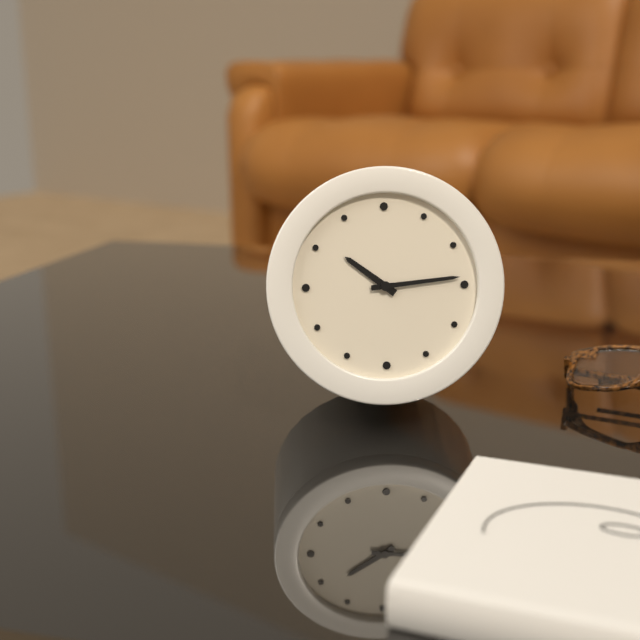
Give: 10h14
